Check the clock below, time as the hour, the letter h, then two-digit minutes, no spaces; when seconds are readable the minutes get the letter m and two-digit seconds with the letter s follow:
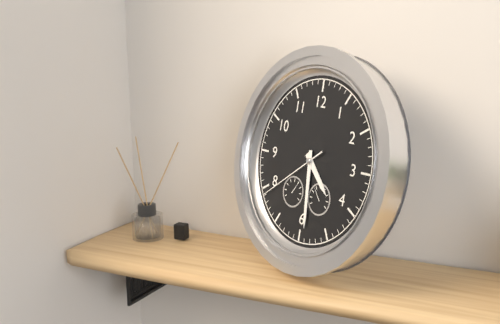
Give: 4h29m39s
